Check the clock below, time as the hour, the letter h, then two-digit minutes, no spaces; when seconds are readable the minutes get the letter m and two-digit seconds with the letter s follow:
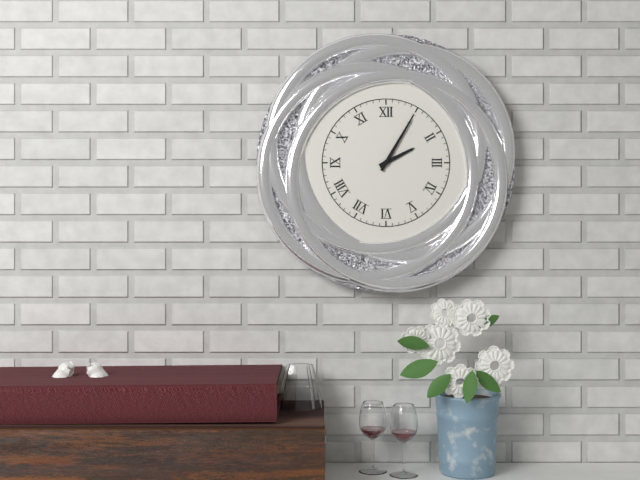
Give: 2h05
